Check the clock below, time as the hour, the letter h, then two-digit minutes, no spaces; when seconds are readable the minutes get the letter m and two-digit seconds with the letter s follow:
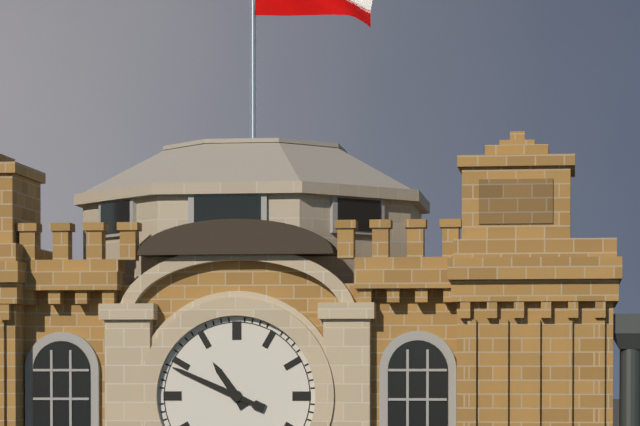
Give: 10h49
